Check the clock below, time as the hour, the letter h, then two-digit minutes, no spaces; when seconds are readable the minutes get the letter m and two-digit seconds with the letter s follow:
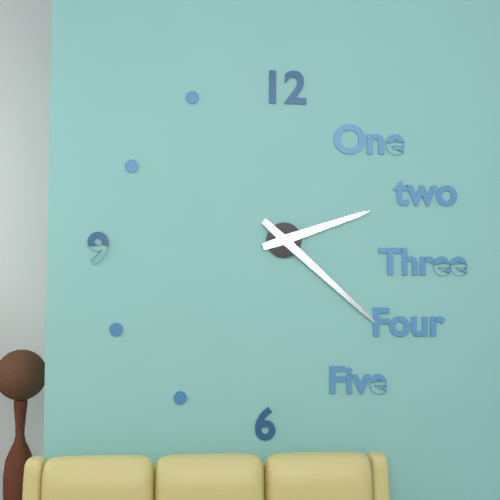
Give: 2h22
